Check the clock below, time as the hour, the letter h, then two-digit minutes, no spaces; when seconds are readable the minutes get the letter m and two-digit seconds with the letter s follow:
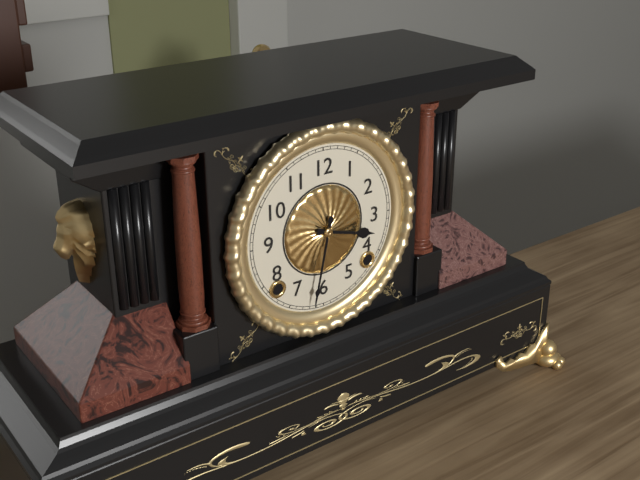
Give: 3h32
